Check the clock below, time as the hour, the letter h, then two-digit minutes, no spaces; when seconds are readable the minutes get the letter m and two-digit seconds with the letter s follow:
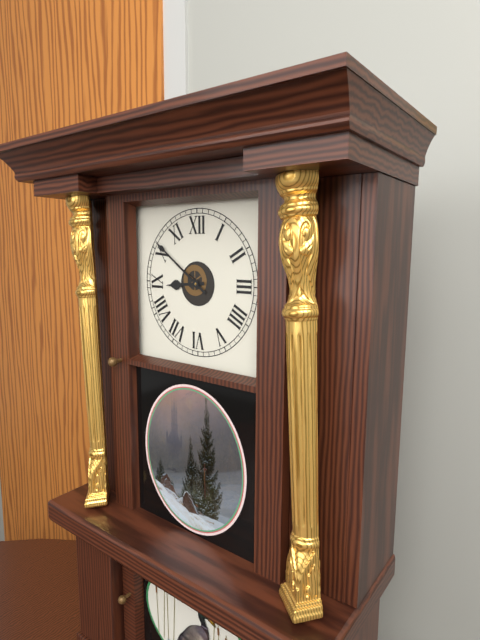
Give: 8h51
